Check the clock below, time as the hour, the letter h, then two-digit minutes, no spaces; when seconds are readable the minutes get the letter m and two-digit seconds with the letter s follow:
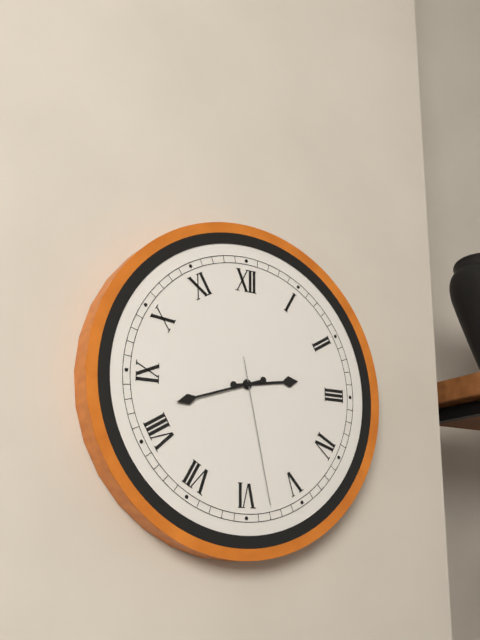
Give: 2h42m28s
